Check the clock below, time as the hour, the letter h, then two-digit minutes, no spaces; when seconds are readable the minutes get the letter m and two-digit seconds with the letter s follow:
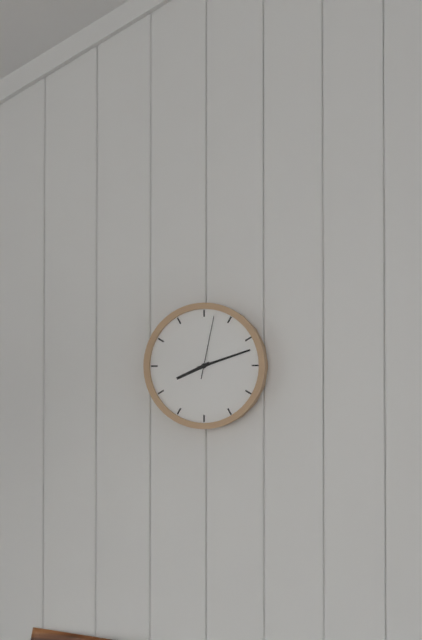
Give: 8h12m02s
